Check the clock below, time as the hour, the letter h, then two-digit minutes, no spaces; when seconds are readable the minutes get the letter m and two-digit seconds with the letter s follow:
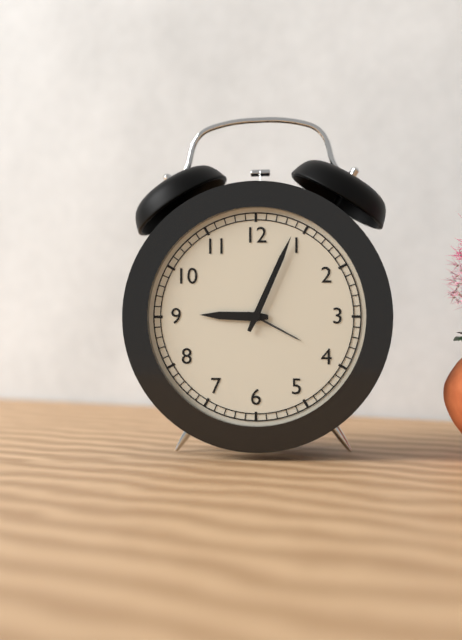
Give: 9h04
